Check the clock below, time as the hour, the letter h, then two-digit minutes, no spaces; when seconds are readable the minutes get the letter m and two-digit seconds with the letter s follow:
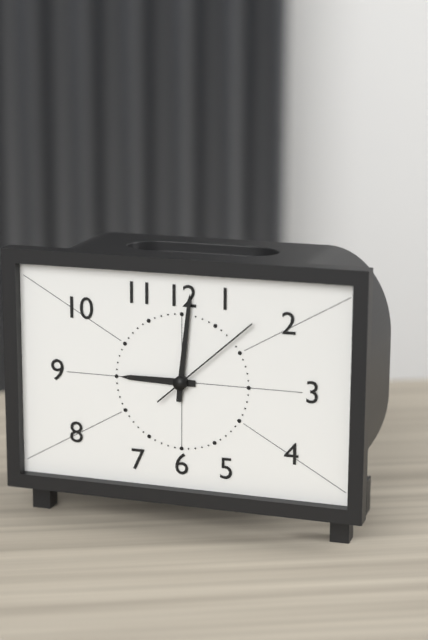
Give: 9h01m08s
